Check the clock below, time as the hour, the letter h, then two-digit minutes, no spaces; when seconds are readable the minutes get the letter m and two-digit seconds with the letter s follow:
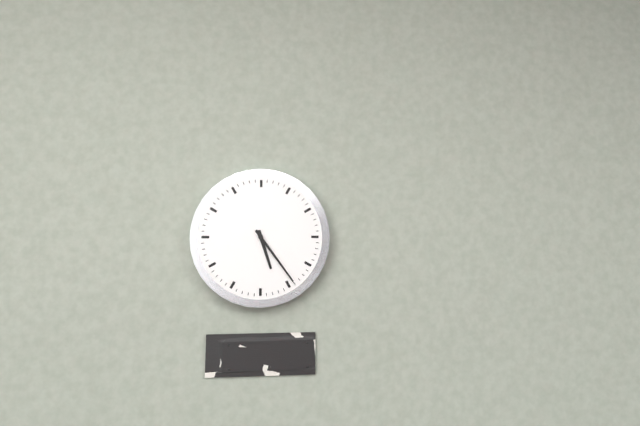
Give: 5h24
